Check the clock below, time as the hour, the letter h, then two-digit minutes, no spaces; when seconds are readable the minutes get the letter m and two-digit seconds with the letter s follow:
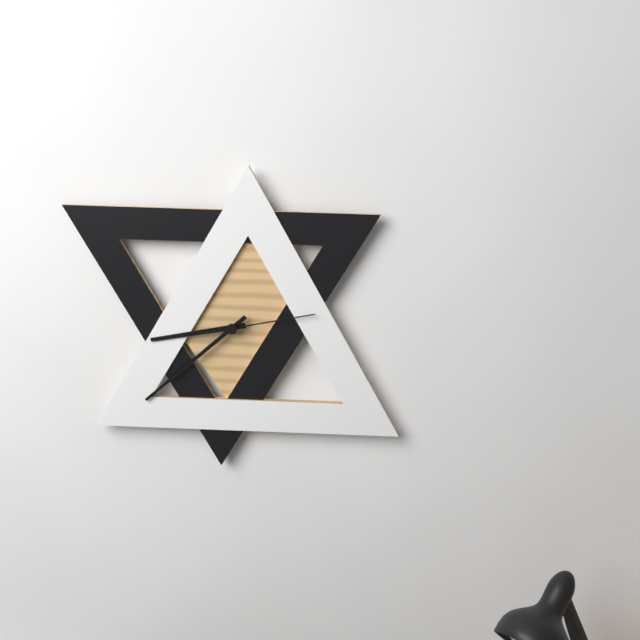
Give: 8h38m13s
